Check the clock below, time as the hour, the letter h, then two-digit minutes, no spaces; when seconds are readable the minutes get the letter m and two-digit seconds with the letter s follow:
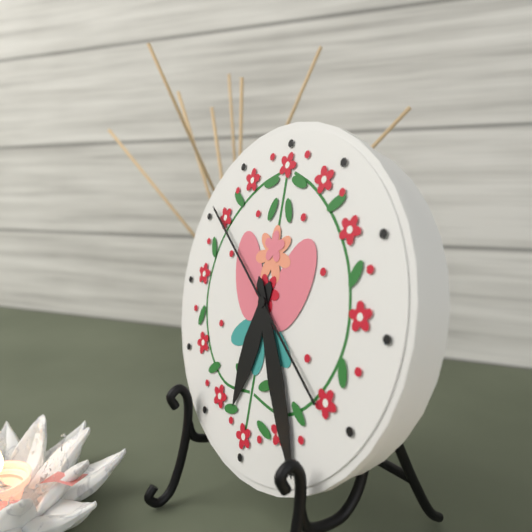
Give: 6h25m51s
